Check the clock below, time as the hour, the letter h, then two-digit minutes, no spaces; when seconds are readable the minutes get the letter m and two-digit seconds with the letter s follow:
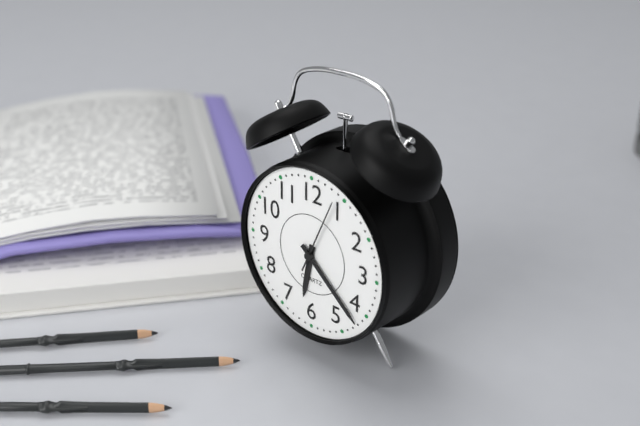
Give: 6h22m04s
